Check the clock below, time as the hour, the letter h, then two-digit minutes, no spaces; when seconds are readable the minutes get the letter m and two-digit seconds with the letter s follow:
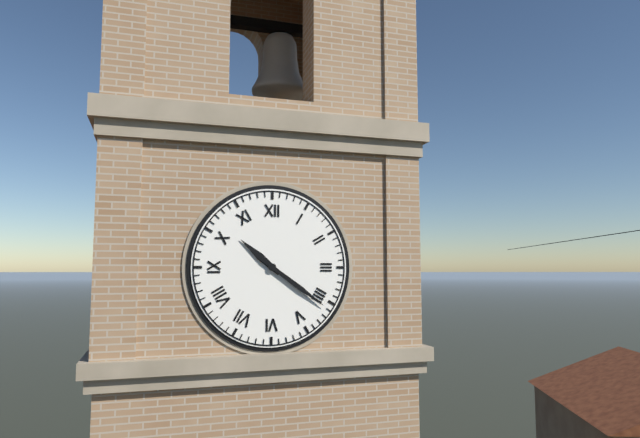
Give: 10h21
